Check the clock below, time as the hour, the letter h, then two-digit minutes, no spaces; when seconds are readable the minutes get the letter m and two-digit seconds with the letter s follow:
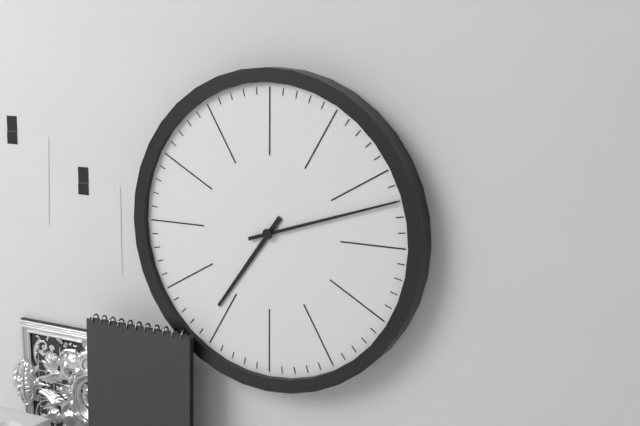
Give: 7h12
